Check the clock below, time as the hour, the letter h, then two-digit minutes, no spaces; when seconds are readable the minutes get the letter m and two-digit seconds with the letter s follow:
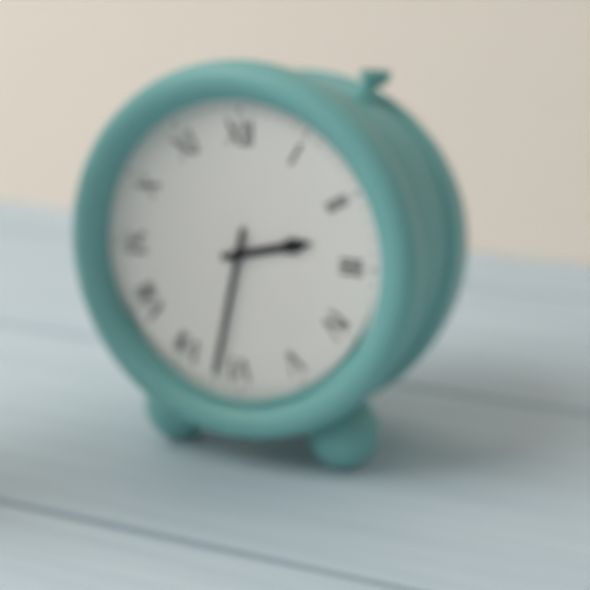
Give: 2h32
